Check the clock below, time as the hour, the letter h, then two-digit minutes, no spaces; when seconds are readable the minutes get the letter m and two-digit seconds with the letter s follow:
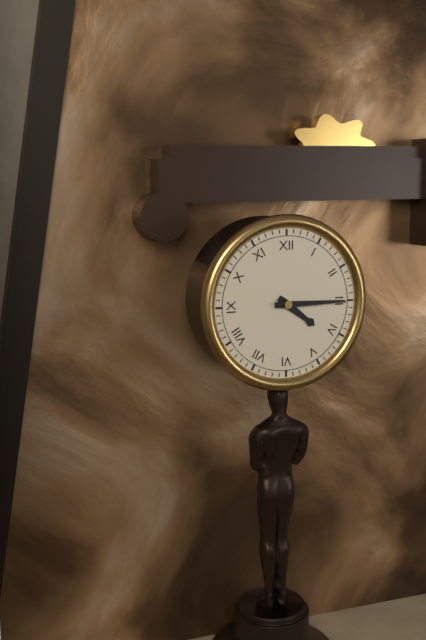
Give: 4h15
